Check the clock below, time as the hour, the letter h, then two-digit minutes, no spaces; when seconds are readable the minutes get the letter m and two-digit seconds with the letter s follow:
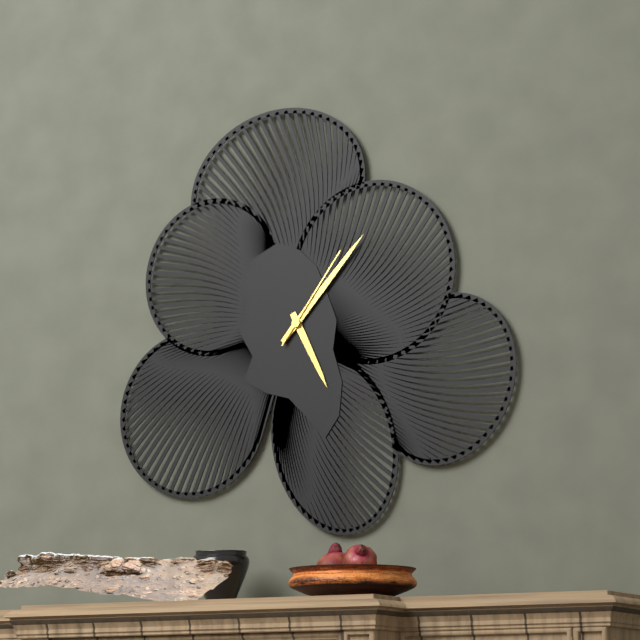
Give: 5h07m06s
